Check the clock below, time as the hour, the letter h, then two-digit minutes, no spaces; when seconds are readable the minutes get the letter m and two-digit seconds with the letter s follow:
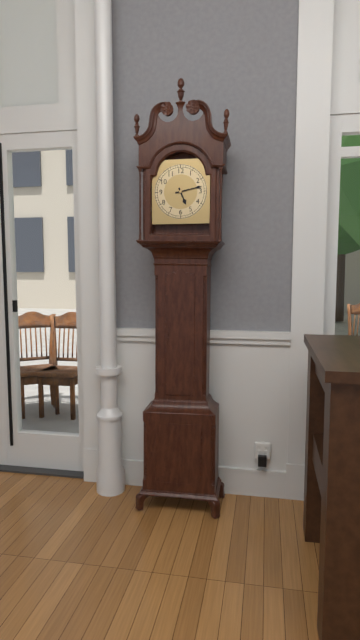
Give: 5h13
